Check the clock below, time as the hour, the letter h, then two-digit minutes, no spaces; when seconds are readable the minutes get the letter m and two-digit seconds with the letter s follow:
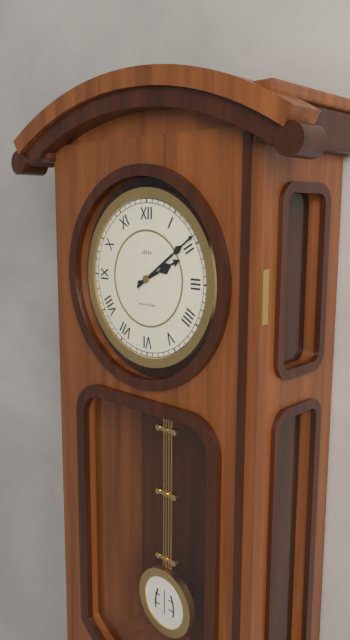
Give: 2h09
